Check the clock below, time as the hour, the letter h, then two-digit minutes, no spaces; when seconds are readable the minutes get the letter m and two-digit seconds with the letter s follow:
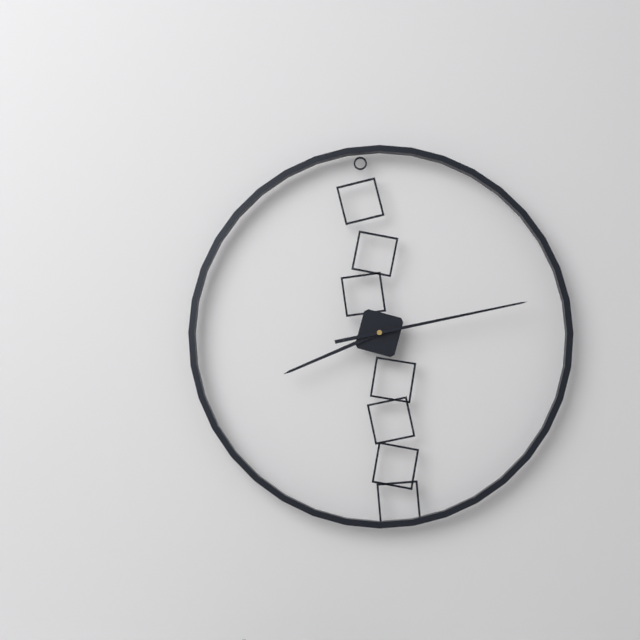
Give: 8h13
